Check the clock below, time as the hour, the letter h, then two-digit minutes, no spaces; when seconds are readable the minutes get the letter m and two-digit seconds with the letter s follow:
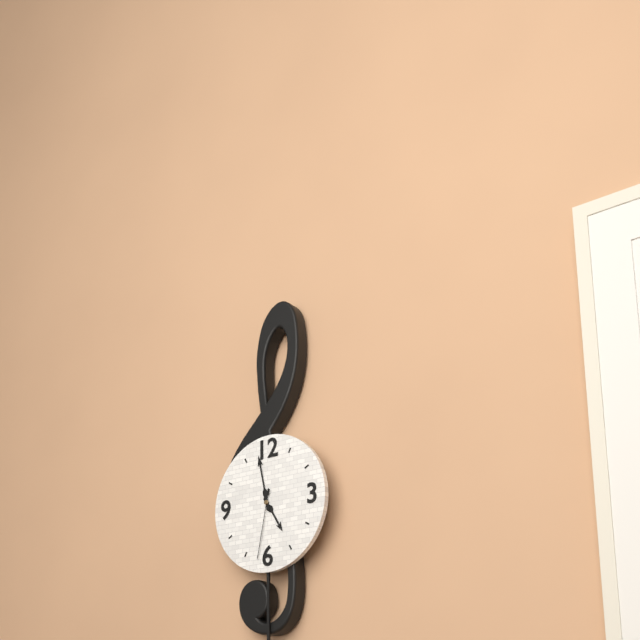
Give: 4h58m32s
